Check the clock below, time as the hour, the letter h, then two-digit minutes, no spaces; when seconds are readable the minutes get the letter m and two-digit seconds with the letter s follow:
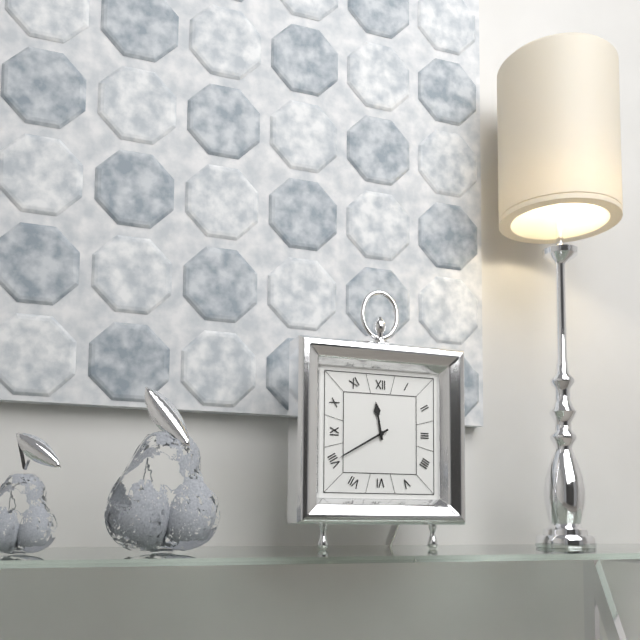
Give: 11h40
